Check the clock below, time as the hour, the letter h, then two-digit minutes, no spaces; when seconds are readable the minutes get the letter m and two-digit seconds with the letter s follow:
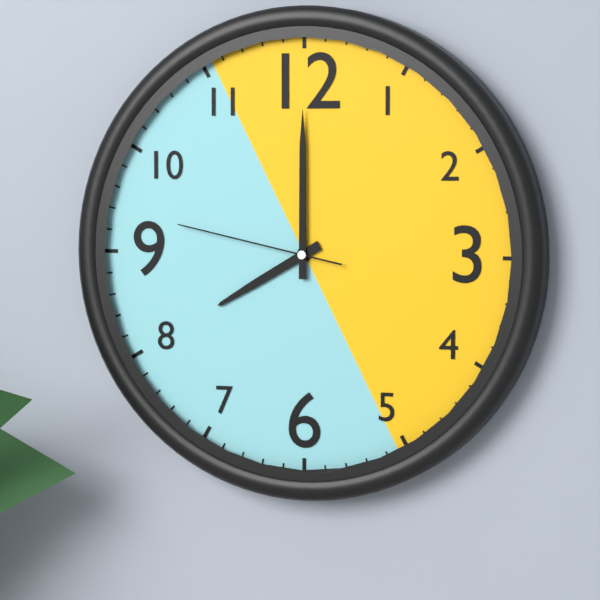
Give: 8h00m47s
